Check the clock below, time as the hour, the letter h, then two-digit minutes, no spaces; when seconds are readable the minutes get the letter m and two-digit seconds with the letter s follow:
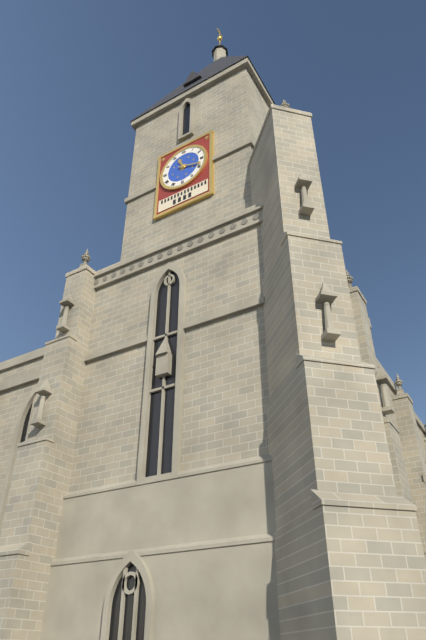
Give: 11h18
